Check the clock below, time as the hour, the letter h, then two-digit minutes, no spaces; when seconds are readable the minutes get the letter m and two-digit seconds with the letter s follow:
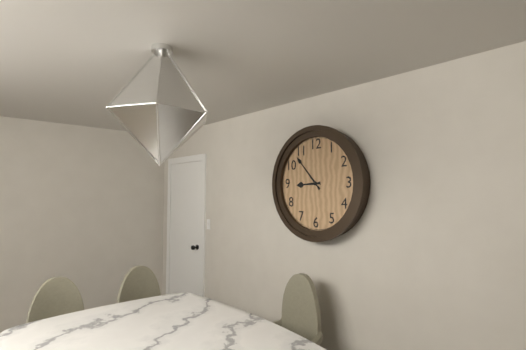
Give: 8h53
